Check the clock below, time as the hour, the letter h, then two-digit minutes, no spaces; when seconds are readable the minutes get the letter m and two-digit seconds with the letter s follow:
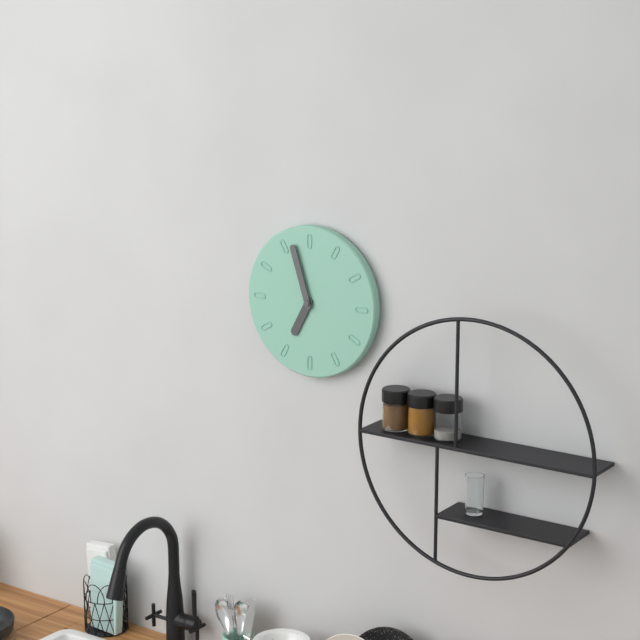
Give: 6h57
